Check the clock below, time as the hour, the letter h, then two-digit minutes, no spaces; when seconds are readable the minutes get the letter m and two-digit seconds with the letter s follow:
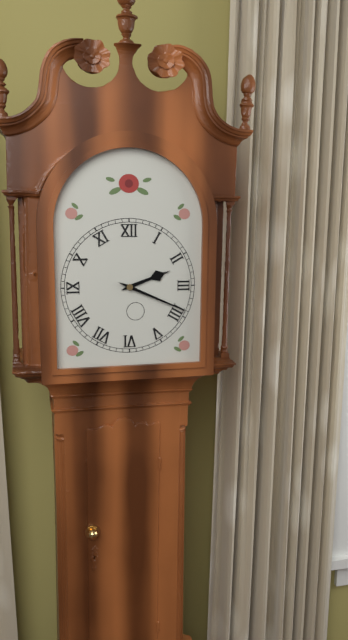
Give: 2h19
